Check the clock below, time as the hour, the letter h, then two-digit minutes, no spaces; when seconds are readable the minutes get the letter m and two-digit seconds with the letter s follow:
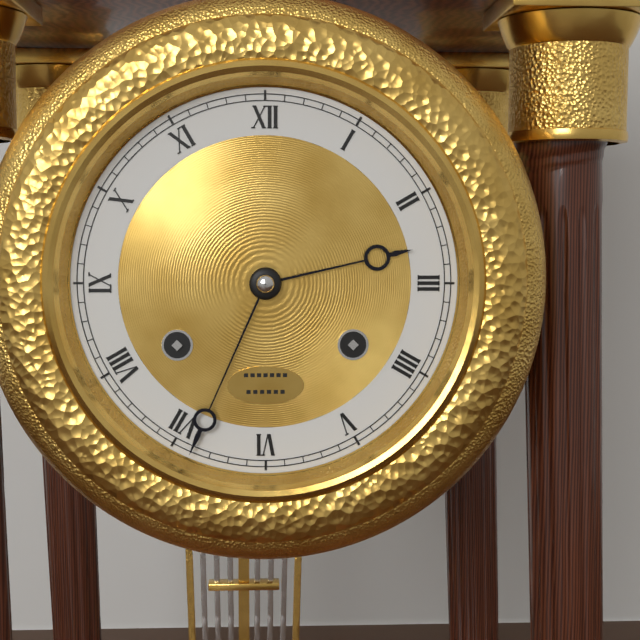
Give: 2h34
